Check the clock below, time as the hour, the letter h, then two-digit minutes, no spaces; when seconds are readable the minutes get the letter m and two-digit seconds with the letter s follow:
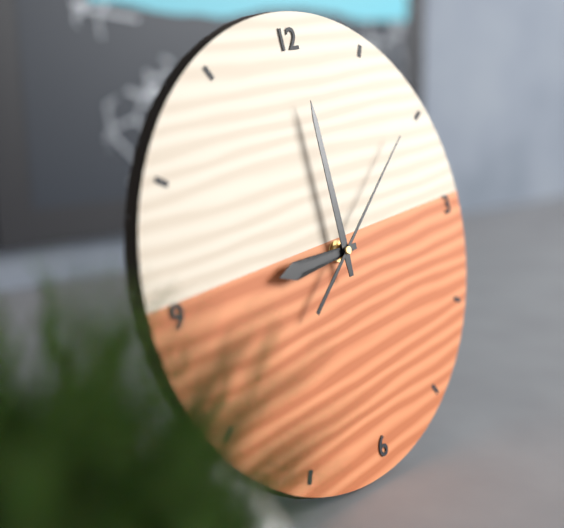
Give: 9h00m09s
